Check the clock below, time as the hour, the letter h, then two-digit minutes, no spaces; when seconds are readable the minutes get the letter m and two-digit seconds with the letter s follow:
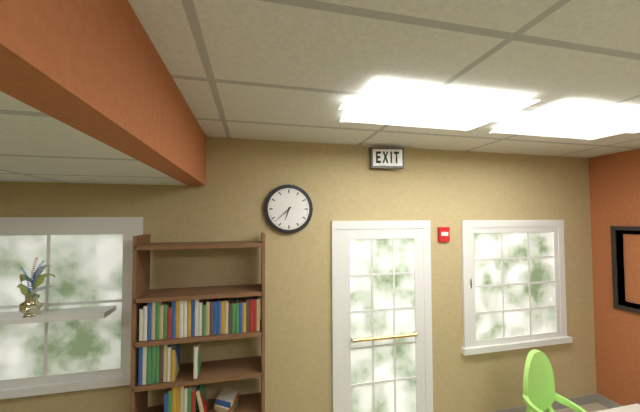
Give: 6h38
